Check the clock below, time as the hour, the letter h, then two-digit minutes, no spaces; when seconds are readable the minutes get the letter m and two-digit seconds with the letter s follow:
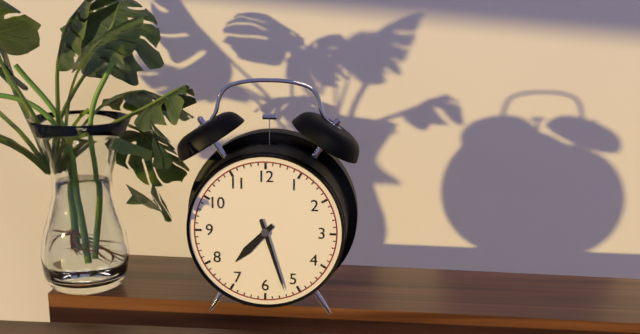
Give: 7h27
